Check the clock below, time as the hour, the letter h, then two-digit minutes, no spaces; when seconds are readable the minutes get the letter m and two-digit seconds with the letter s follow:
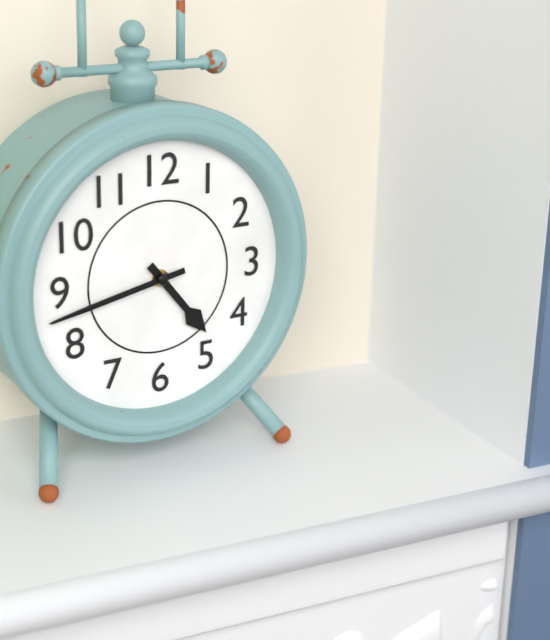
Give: 4h43
